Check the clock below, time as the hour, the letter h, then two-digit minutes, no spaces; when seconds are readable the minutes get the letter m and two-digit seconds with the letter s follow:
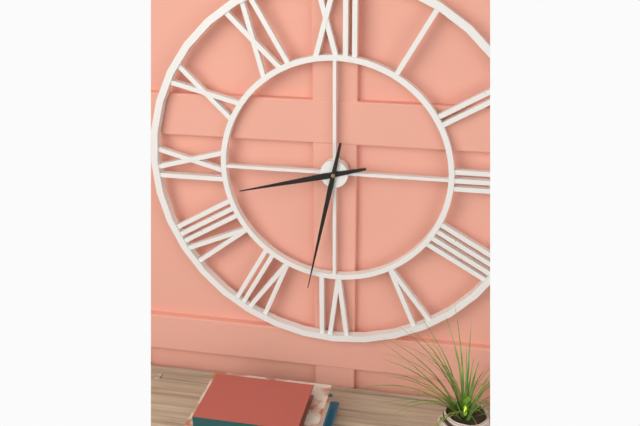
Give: 8h32
